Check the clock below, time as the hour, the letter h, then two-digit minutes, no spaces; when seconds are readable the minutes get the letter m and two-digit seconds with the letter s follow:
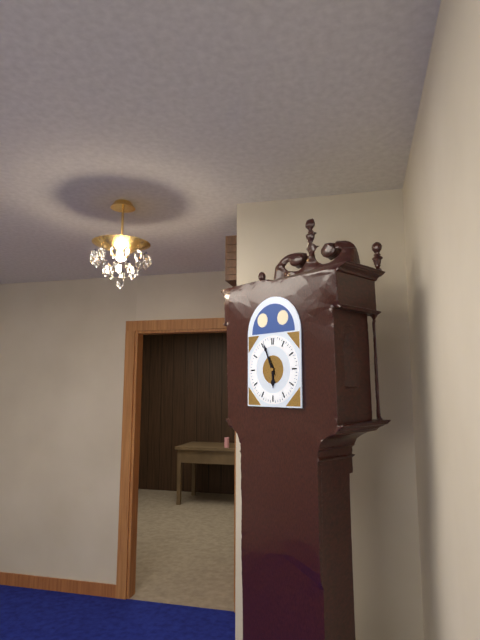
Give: 5h56
